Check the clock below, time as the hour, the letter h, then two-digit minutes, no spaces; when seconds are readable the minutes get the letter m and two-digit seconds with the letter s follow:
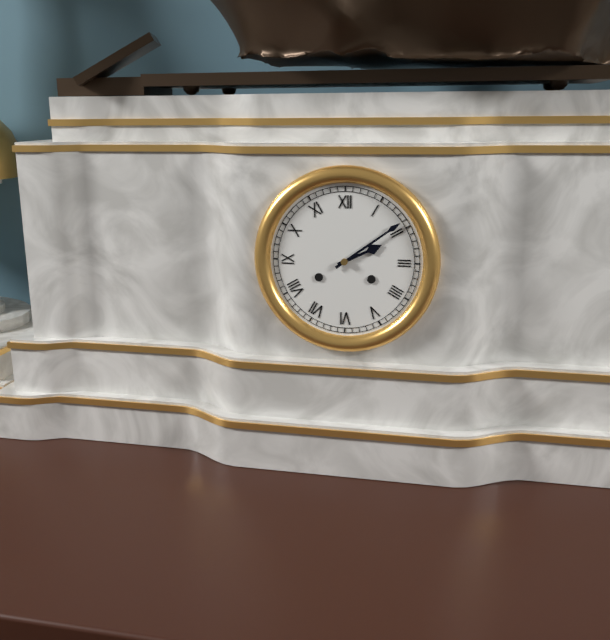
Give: 2h09
